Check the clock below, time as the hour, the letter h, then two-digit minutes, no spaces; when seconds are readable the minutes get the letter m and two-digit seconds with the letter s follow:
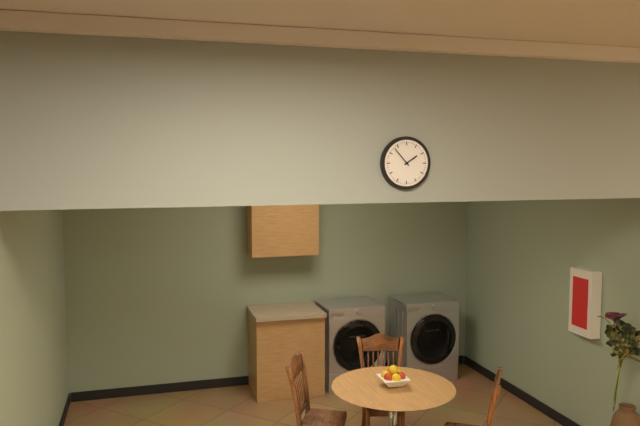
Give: 1h53
